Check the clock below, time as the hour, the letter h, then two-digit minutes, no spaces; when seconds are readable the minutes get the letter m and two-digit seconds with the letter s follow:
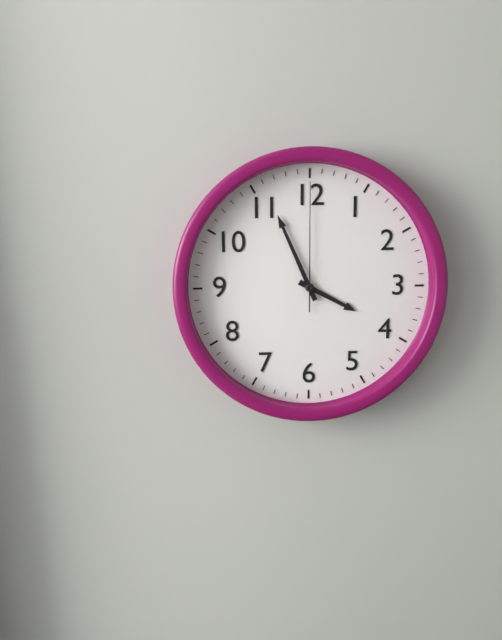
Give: 3h56m00s
